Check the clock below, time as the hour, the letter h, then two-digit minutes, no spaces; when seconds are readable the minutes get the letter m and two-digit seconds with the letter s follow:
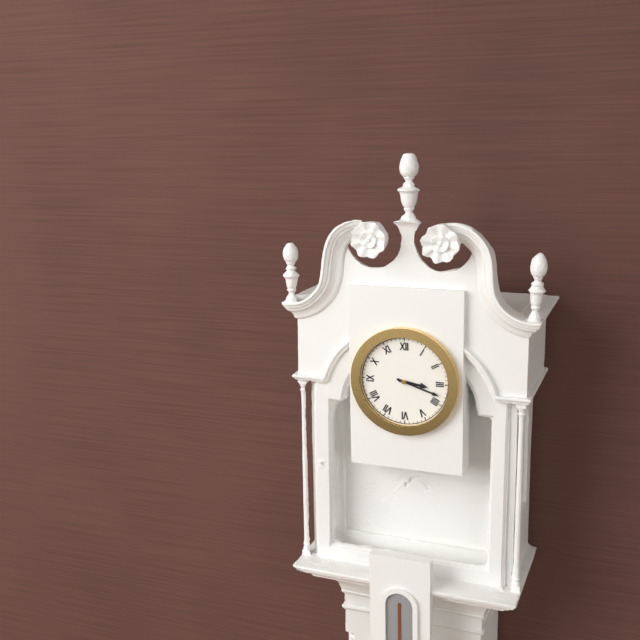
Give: 3h18
